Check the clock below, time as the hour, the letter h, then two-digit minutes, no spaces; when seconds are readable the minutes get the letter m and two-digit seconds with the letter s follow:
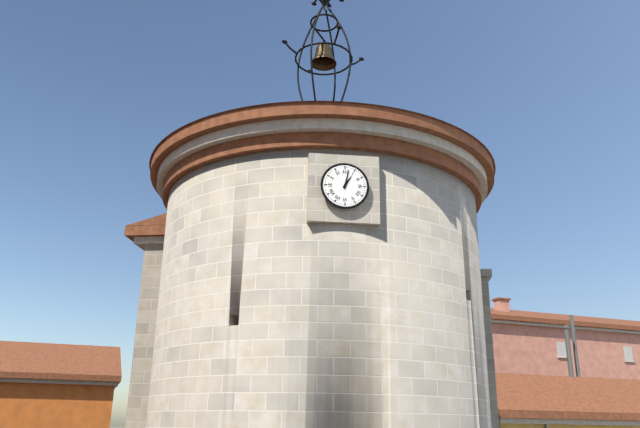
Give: 1h02
